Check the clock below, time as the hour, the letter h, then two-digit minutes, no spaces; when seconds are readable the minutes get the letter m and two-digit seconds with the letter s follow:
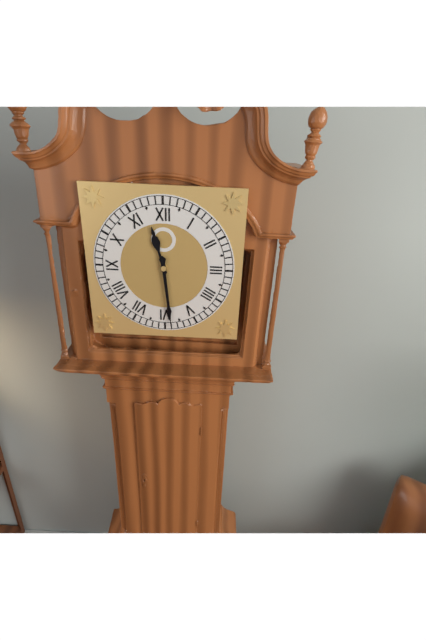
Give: 11h29
